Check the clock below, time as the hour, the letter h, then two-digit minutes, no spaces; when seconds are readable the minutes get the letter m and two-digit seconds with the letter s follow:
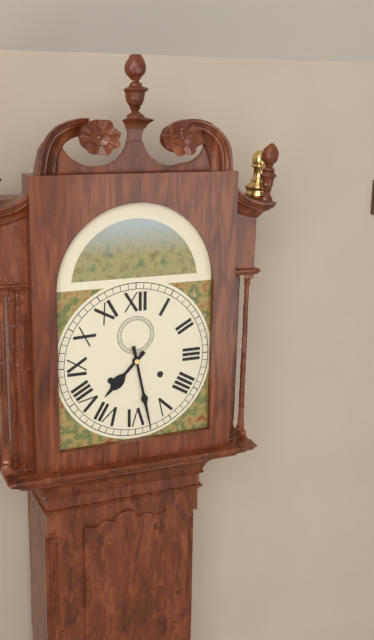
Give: 7h28
